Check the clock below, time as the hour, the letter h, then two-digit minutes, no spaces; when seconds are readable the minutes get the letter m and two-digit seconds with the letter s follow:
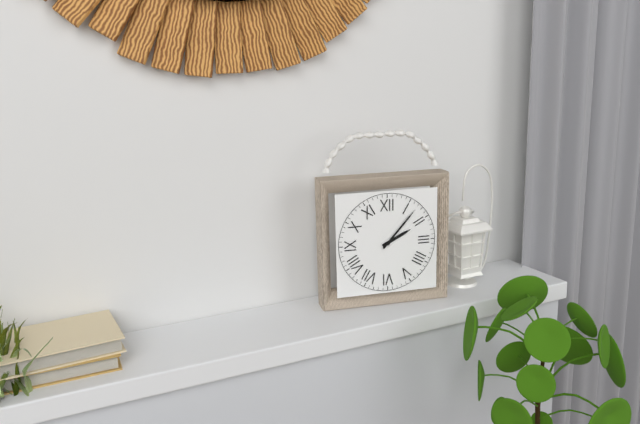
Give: 2h07
